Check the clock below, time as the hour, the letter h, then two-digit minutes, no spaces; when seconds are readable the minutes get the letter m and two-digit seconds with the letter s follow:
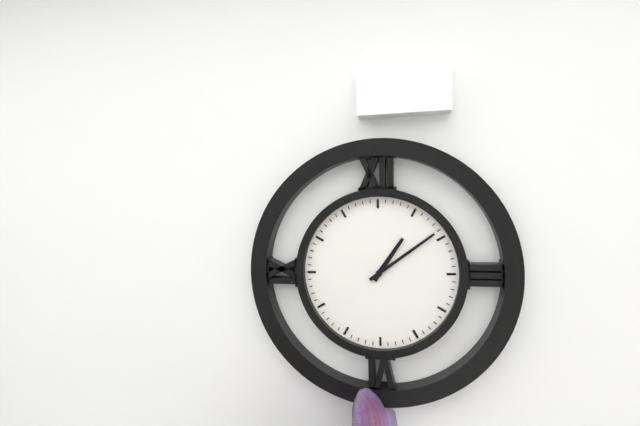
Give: 1h09
